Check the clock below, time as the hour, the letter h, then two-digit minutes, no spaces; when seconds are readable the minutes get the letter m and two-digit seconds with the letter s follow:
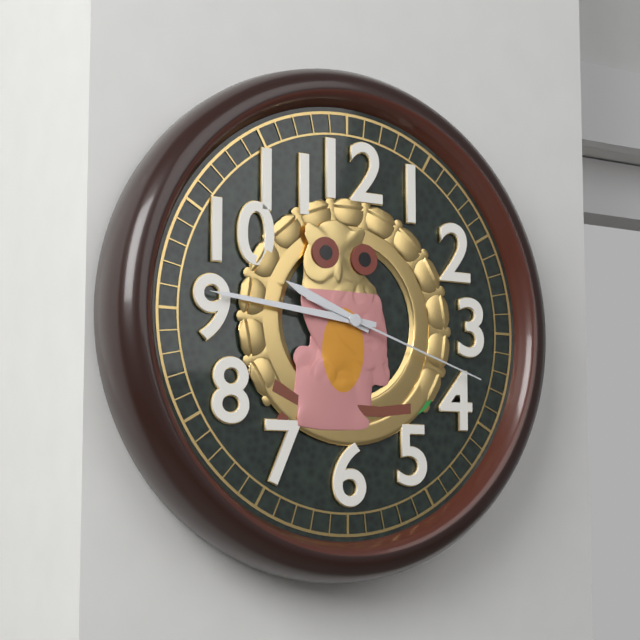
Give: 9h46m18s
